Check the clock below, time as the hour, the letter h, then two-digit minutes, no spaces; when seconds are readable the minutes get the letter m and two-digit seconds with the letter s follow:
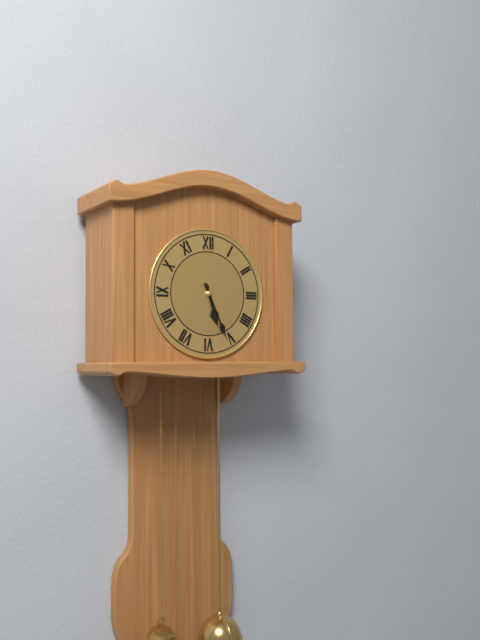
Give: 5h26
